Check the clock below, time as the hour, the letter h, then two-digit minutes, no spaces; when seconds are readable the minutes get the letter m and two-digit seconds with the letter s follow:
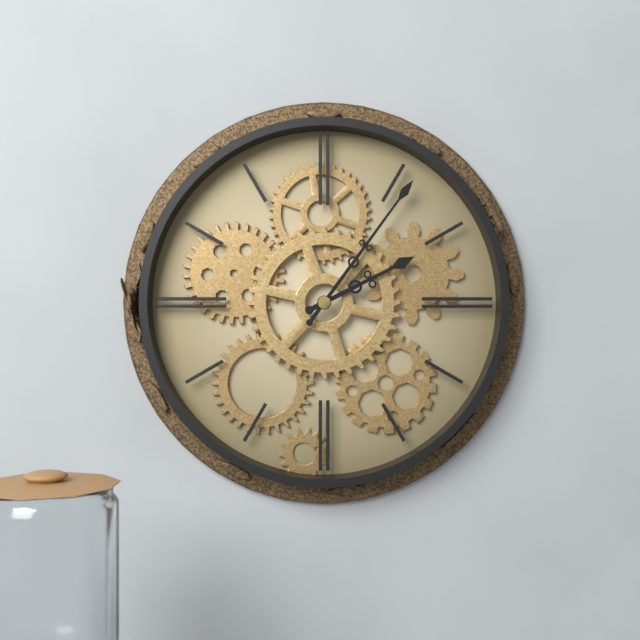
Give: 2h06
